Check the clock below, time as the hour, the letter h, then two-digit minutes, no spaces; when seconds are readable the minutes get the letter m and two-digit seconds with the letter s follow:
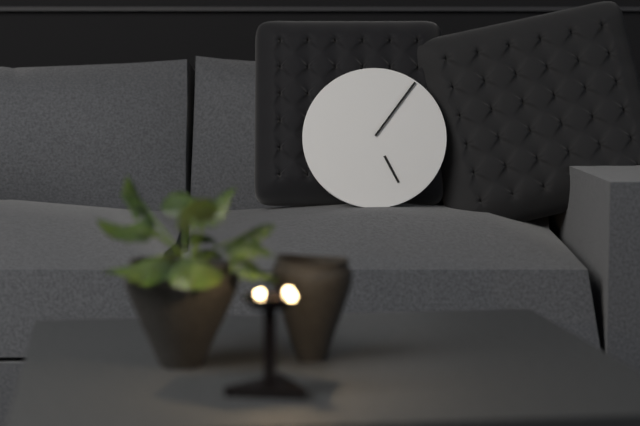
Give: 5h06
